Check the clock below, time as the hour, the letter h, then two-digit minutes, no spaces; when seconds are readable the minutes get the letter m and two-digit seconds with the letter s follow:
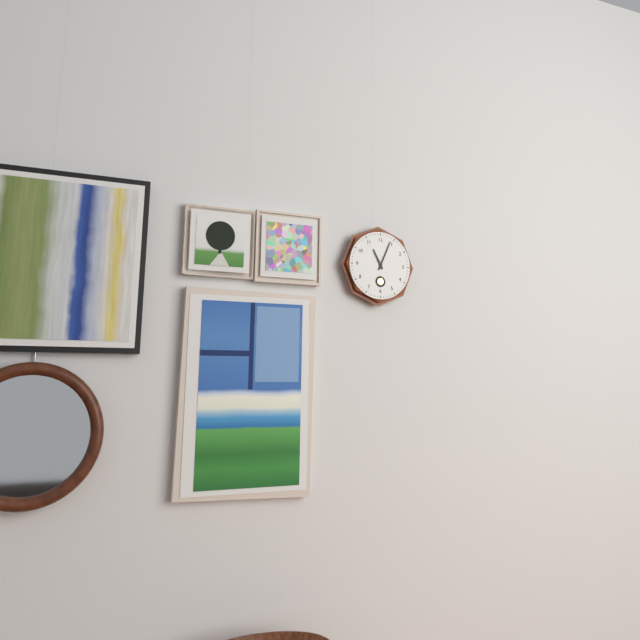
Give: 11h04
